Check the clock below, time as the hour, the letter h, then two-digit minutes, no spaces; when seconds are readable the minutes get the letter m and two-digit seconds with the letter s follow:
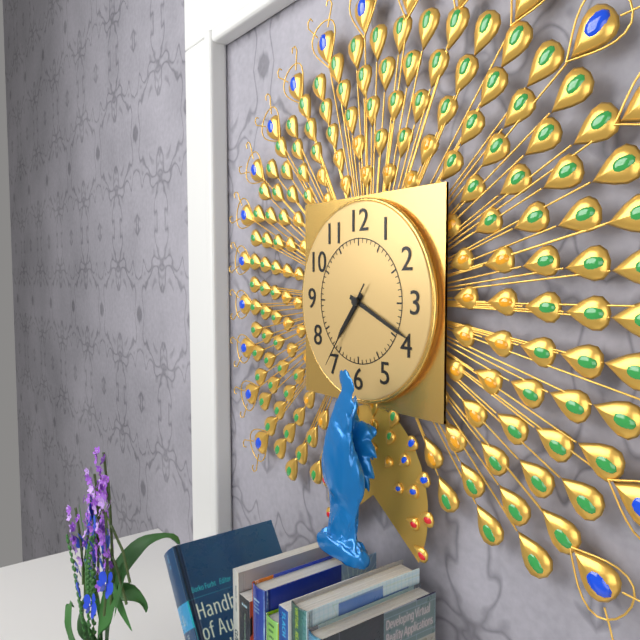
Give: 7h19m36s
